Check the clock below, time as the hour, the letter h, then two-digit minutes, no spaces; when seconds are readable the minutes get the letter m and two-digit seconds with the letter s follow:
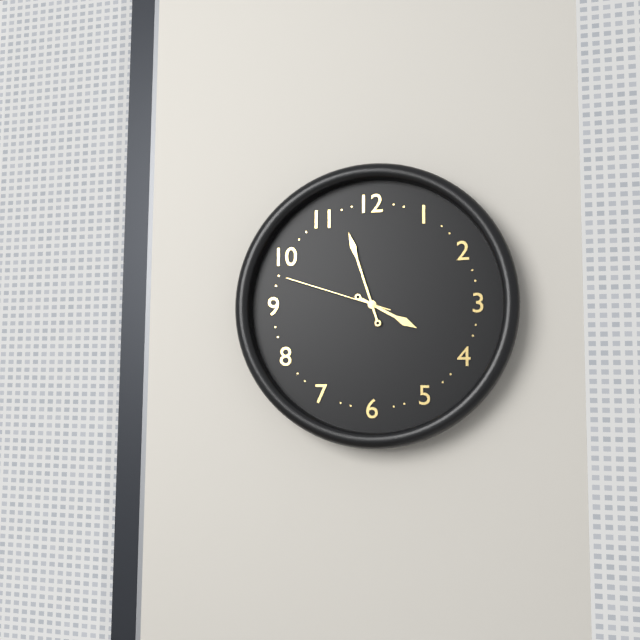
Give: 3h57m48s
